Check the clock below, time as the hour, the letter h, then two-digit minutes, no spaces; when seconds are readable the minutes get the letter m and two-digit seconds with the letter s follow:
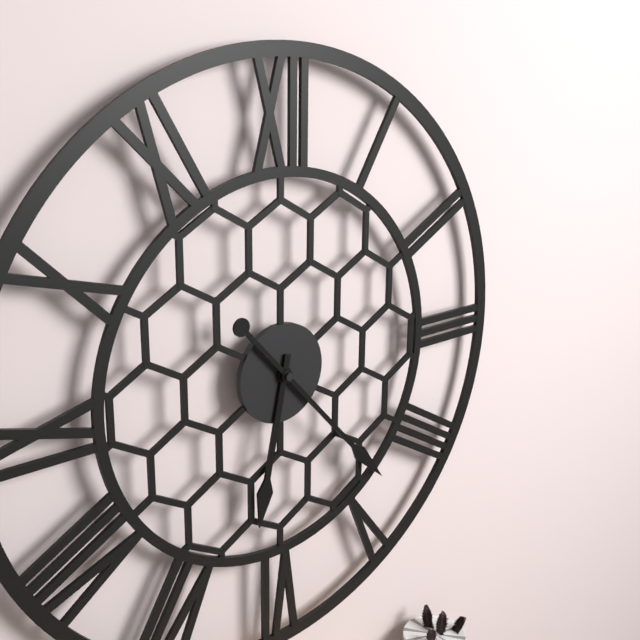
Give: 6h23
